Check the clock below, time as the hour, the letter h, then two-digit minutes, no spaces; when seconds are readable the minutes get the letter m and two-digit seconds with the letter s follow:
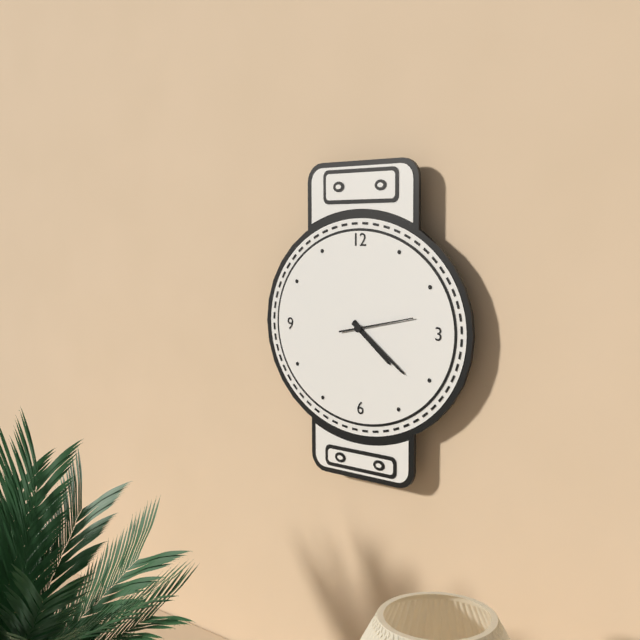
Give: 4h21m13s
